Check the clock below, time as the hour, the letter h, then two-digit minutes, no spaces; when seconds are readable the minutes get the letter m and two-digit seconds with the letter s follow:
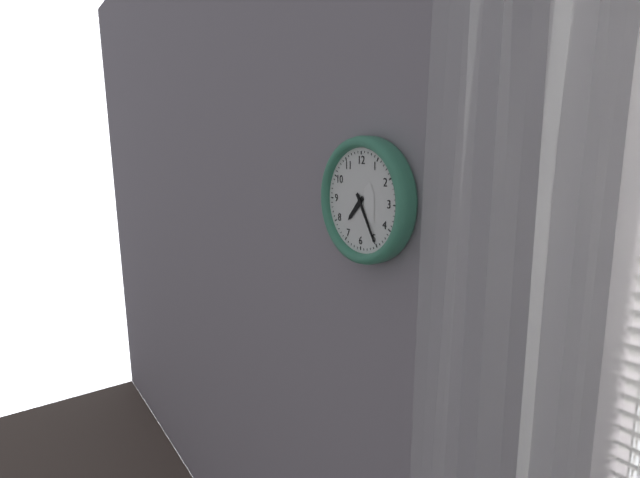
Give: 7h25
